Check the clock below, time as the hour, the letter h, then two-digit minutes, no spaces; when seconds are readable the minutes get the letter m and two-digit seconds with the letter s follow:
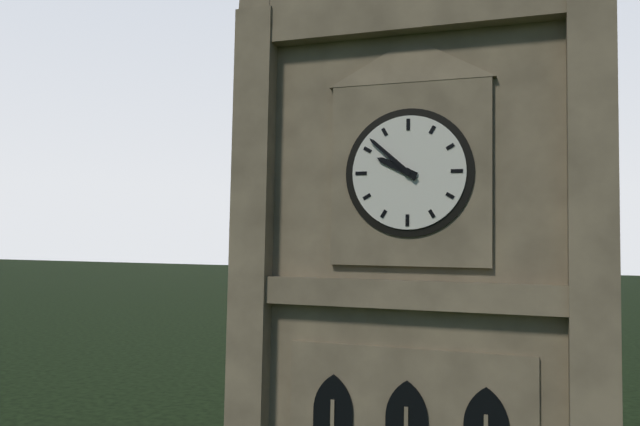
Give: 9h52
